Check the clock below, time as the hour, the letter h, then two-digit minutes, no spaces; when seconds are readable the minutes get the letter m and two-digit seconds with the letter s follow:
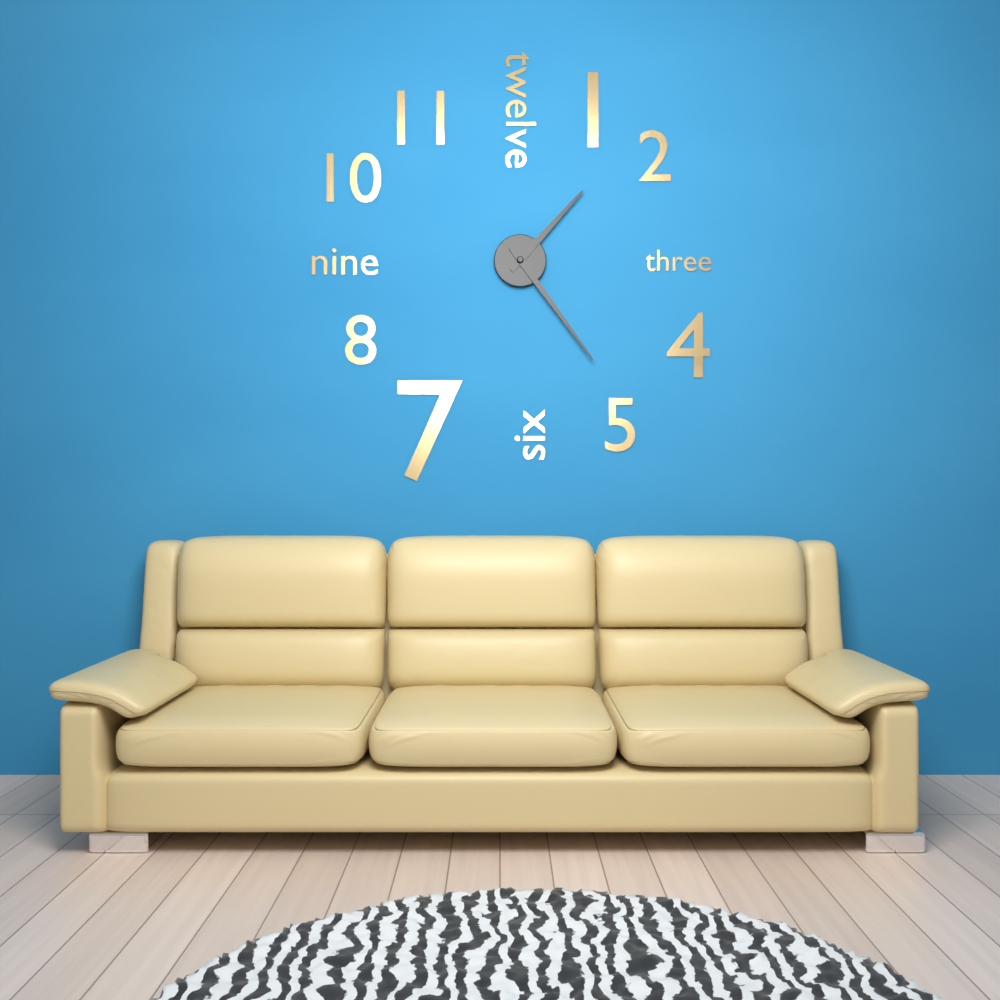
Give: 1h24
